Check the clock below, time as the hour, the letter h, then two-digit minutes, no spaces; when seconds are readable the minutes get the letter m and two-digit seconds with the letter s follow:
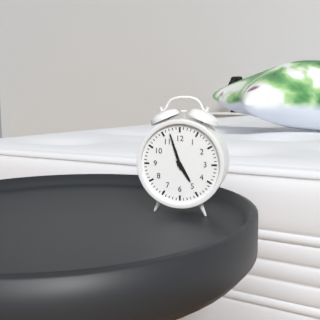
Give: 4h57
